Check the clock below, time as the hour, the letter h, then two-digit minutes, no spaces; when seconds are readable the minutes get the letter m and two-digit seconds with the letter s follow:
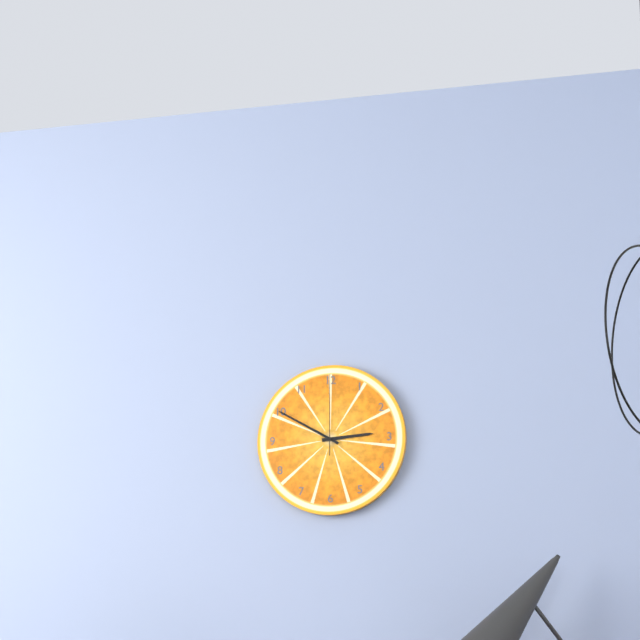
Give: 2h50m00s
